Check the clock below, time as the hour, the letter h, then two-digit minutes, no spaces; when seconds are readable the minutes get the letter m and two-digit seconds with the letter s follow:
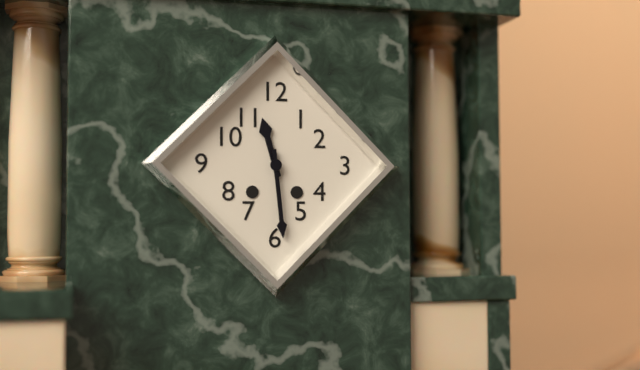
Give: 11h29
